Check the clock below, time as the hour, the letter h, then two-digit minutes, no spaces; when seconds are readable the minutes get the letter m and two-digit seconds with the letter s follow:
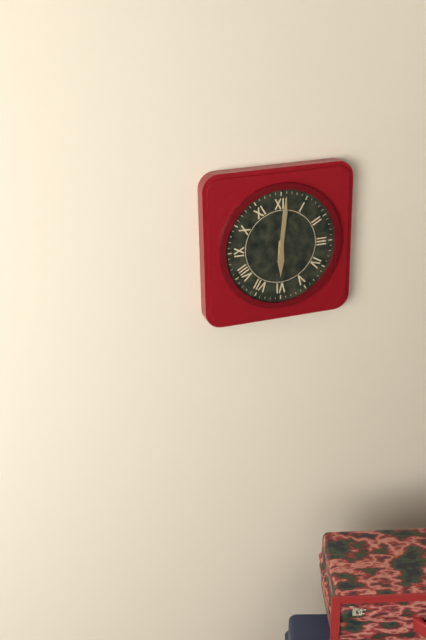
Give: 6h01
